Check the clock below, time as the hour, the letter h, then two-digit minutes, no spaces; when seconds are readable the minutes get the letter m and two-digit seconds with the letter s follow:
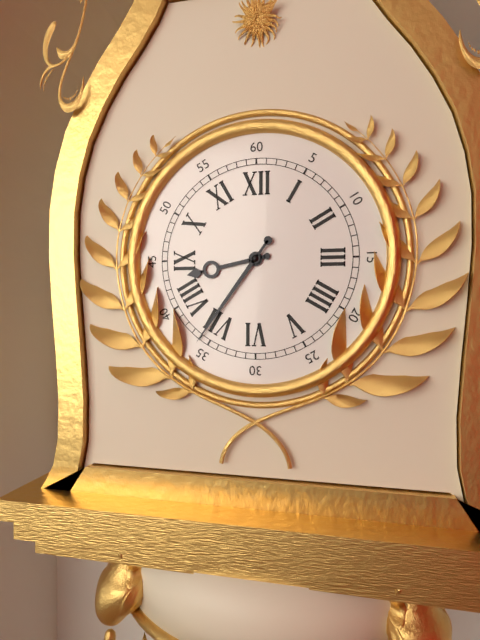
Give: 8h36
